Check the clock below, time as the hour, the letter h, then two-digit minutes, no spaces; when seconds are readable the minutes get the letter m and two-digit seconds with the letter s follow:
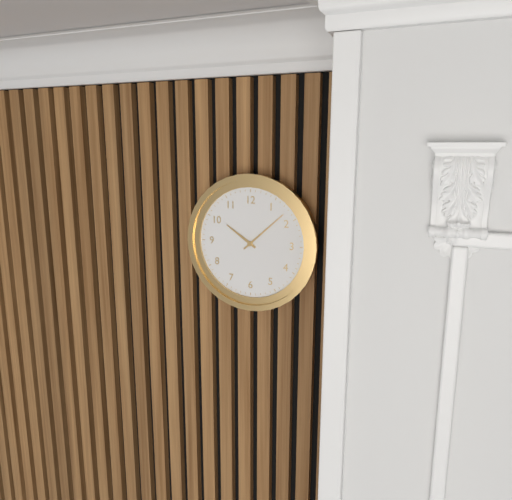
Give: 10h08
